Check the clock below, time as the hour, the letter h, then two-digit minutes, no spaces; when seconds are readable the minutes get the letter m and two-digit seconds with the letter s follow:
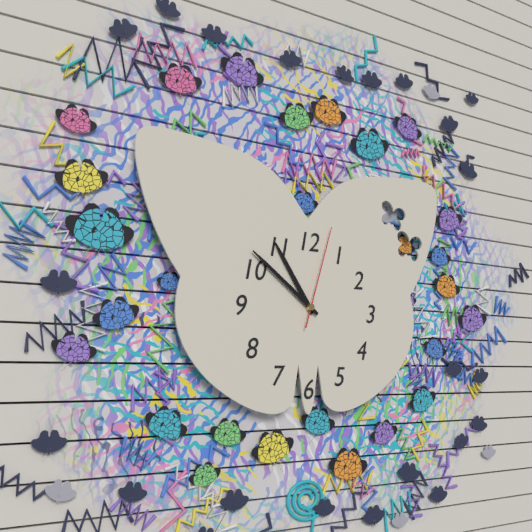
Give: 10h51m03s
